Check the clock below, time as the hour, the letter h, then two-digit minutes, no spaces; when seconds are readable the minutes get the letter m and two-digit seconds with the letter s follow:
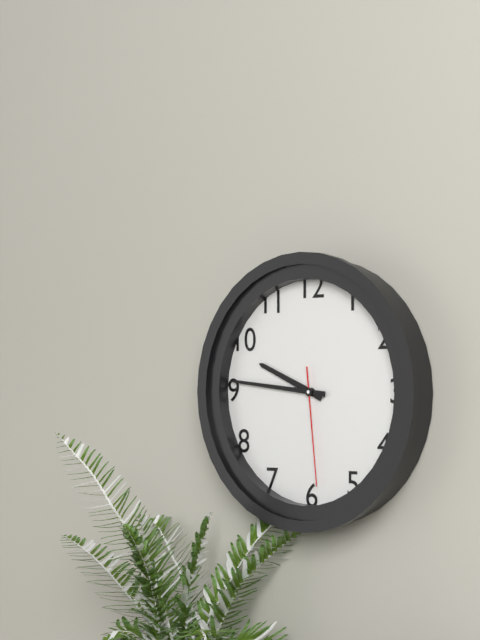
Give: 9h46m29s
